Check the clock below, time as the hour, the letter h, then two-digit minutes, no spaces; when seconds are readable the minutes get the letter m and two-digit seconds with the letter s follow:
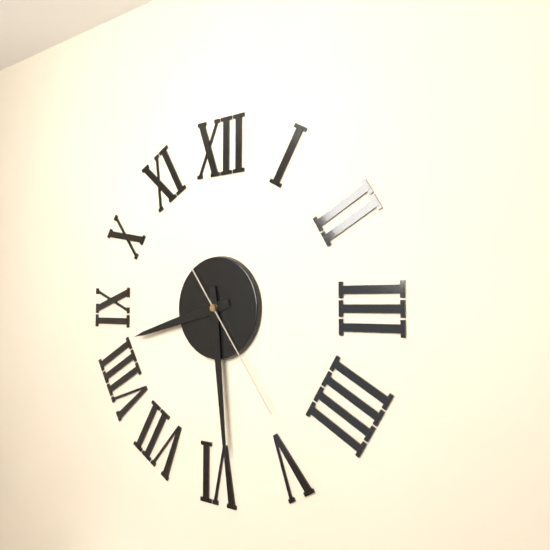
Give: 8h29m24s
